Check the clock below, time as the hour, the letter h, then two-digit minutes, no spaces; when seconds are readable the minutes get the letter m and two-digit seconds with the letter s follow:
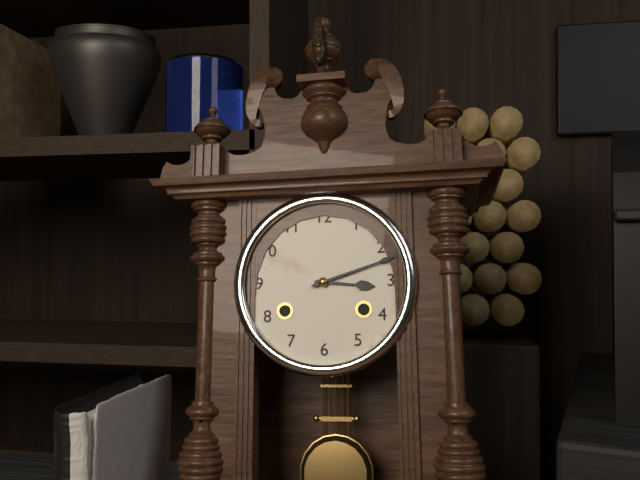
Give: 3h12
